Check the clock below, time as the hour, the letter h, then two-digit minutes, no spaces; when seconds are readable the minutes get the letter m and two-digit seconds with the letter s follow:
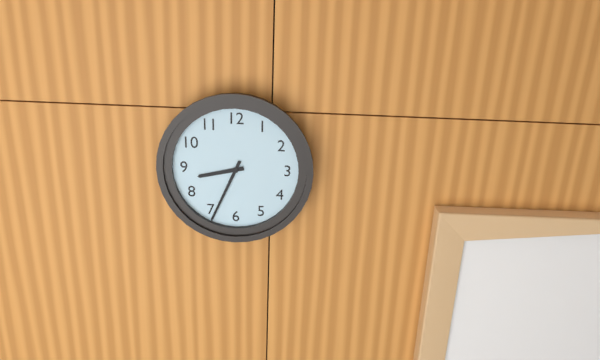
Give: 8h34
